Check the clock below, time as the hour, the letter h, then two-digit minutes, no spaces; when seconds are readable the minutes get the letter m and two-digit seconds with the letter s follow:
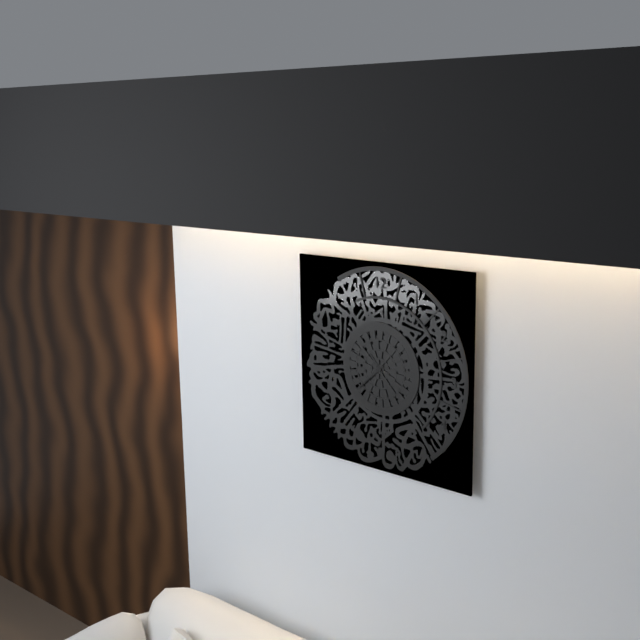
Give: 10h38
